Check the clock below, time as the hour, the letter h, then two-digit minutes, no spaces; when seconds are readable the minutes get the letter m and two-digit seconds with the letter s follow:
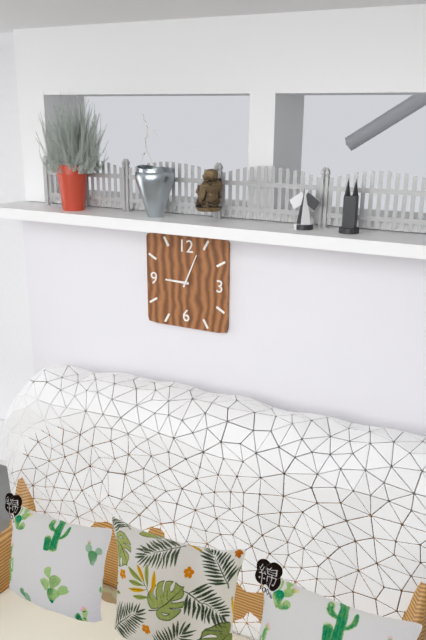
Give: 9h04
